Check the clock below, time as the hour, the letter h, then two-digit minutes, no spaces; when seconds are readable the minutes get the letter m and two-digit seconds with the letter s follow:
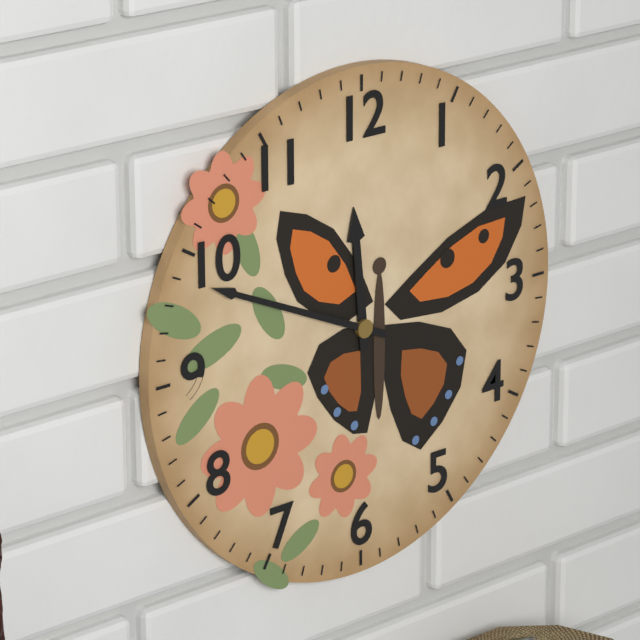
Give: 11h49
